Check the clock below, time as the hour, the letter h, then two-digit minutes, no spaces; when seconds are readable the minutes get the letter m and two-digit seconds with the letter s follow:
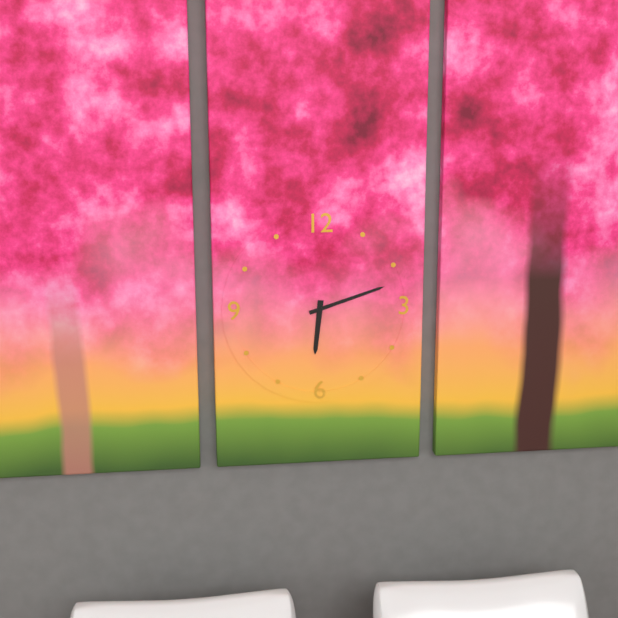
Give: 6h12
